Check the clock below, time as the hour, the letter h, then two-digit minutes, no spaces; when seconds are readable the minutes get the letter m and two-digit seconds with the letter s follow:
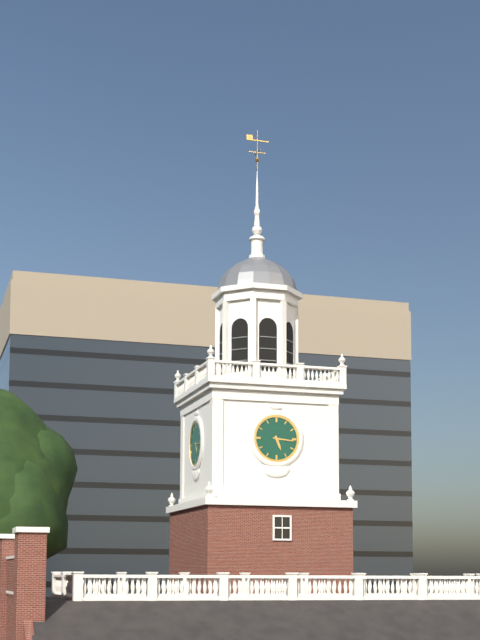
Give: 5h16
